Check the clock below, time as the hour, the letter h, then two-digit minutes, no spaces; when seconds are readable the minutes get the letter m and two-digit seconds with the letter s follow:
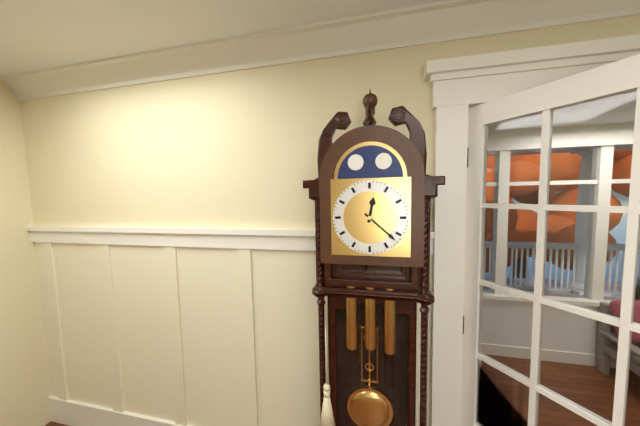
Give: 12h22
